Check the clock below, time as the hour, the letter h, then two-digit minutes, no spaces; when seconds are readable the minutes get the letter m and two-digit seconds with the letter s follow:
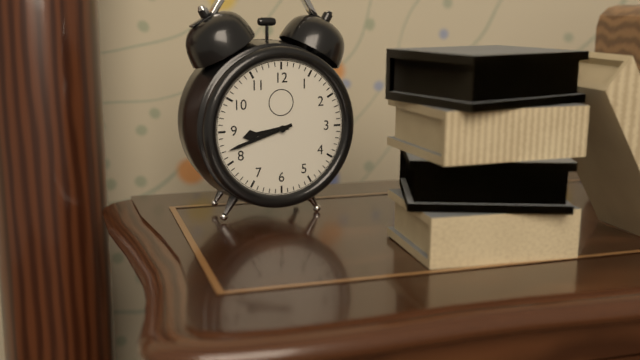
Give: 8h42
